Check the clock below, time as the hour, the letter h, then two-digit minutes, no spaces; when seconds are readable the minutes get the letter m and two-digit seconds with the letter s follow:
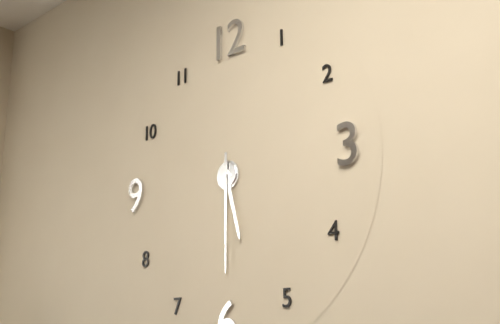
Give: 5h30
